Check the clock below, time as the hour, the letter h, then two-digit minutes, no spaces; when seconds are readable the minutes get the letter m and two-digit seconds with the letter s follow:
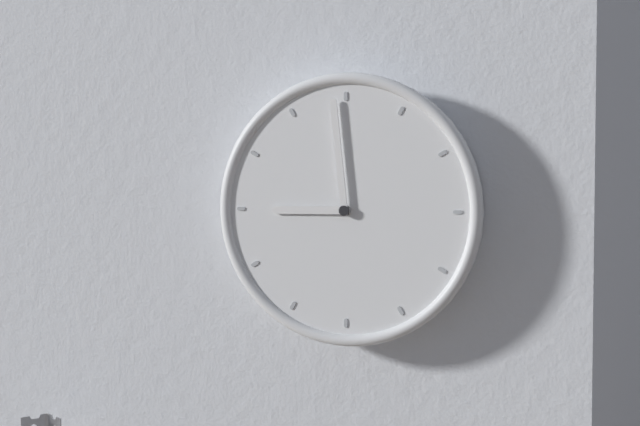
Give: 8h59
